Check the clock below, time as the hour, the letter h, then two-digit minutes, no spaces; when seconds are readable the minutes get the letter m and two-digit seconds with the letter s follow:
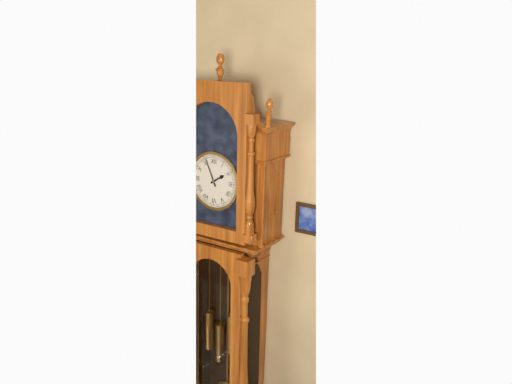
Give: 1h56
